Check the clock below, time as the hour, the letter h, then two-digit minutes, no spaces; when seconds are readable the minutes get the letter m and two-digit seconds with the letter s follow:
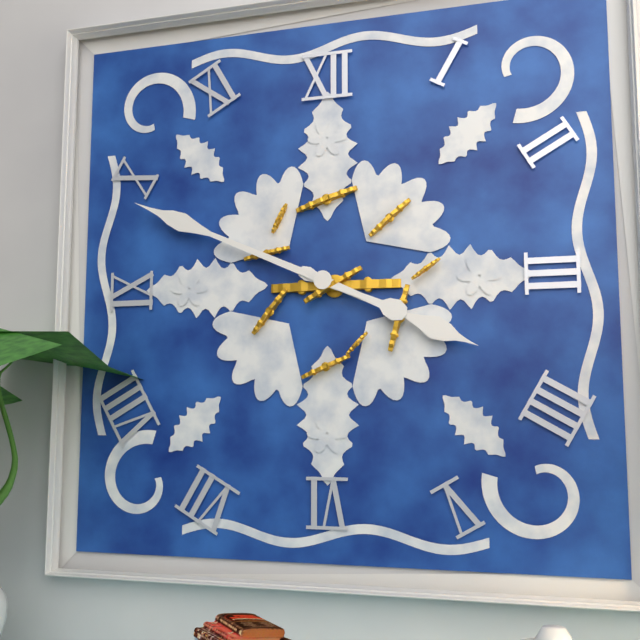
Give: 3h49
